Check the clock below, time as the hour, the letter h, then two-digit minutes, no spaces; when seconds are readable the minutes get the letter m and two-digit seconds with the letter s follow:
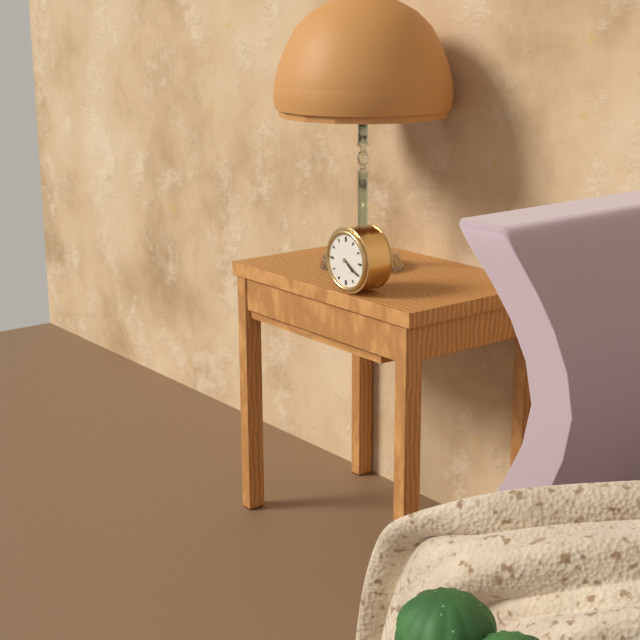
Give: 4h20
